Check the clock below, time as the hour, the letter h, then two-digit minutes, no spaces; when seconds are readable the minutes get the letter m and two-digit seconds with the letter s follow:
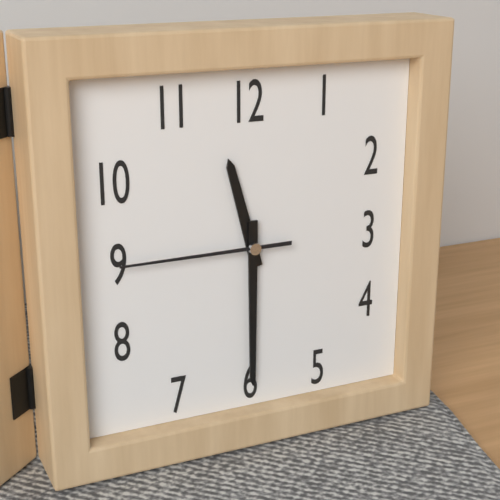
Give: 11h30m45s
